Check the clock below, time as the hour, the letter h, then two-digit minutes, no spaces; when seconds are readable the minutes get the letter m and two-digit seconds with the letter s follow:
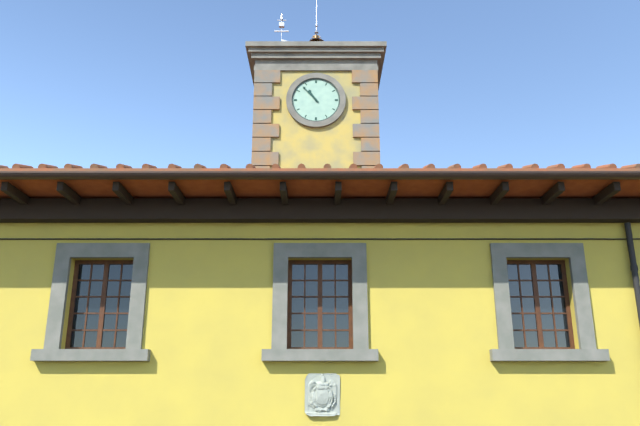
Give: 10h53
